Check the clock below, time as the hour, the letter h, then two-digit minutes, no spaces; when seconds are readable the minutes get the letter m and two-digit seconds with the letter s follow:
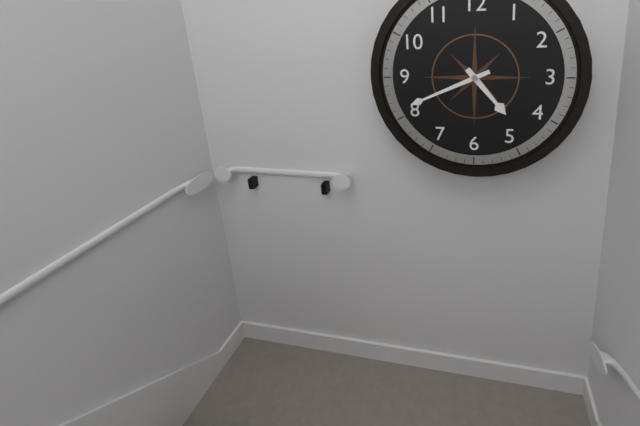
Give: 4h41
